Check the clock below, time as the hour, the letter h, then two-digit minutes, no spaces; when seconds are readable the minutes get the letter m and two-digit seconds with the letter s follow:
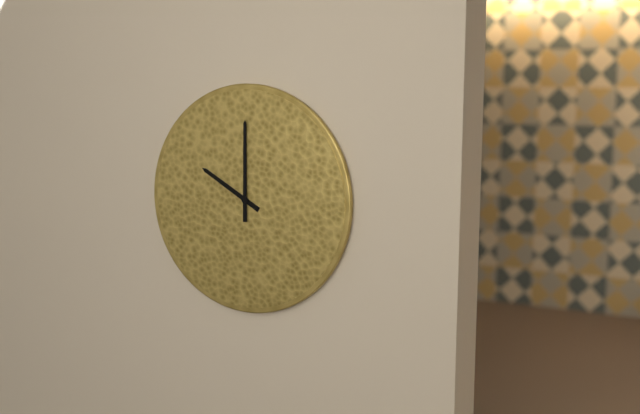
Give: 10h00
